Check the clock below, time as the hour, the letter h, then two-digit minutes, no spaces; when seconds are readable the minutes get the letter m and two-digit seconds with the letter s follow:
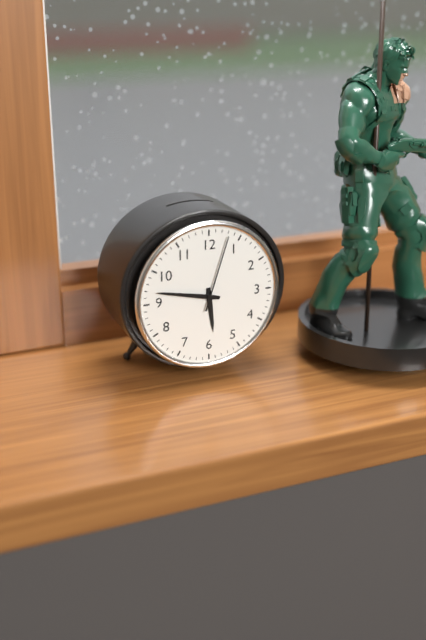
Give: 5h47m03s
